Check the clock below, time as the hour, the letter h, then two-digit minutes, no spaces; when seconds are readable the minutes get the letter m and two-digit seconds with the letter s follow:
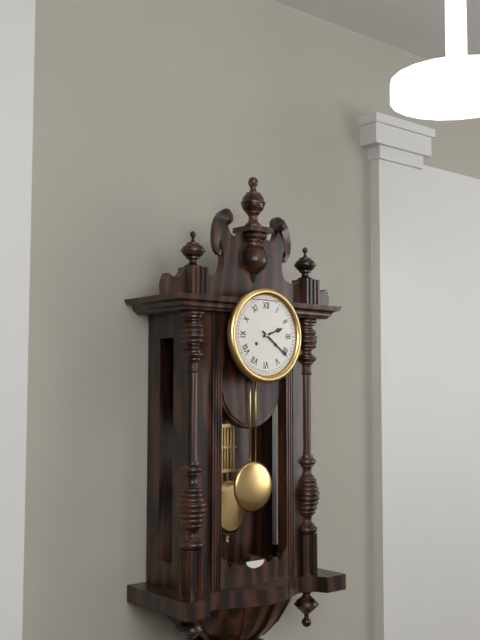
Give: 2h21
